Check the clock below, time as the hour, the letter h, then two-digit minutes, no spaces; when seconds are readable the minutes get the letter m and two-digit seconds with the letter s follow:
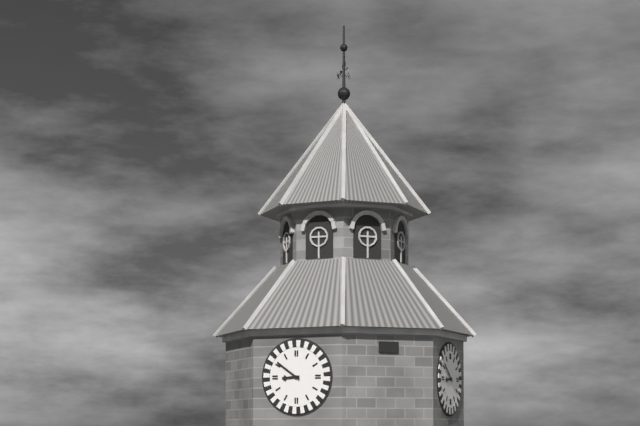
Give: 8h51
